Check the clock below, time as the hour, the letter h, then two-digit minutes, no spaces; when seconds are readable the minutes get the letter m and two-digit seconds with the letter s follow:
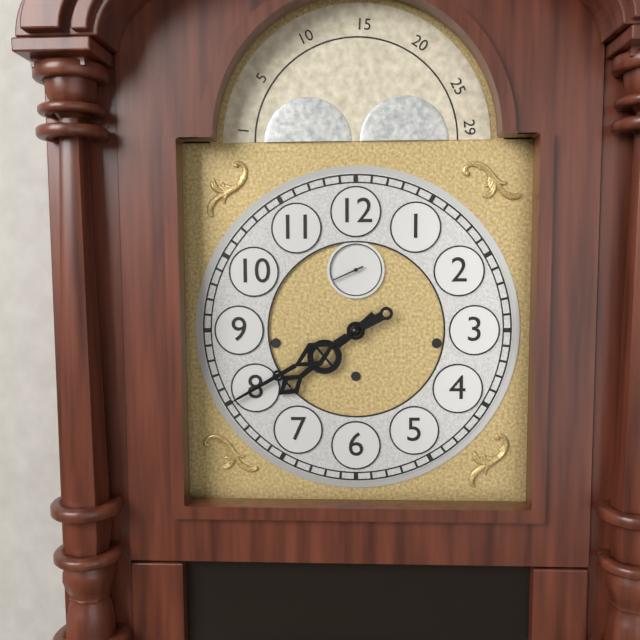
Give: 7h40
